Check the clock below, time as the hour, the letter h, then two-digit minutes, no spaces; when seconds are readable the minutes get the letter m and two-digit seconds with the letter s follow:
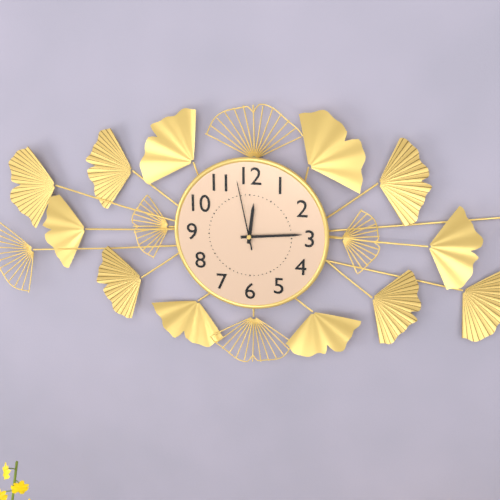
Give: 12h14m58s
